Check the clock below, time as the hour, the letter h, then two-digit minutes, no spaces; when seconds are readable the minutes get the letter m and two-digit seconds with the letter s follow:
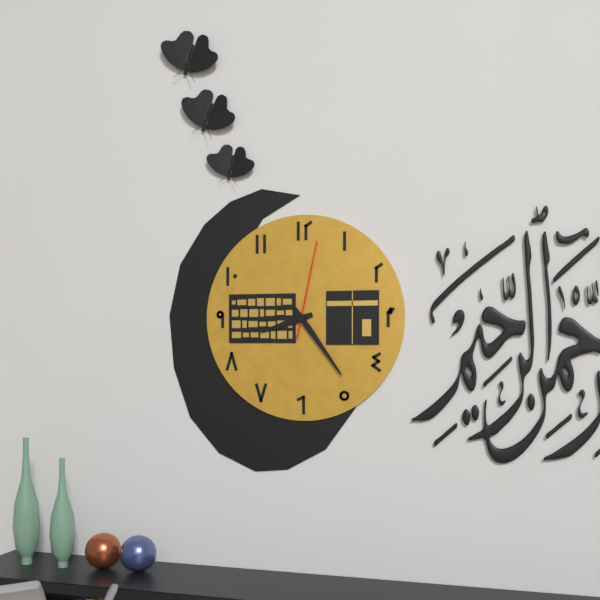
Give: 8h24m02s
